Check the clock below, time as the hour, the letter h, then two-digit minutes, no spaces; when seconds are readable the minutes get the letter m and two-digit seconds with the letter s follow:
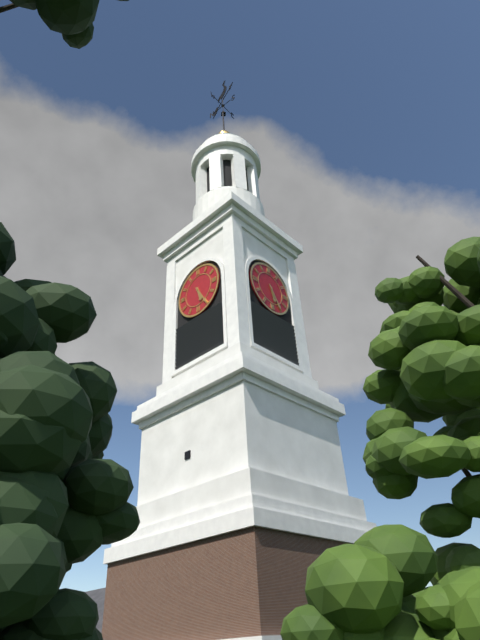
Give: 5h25
